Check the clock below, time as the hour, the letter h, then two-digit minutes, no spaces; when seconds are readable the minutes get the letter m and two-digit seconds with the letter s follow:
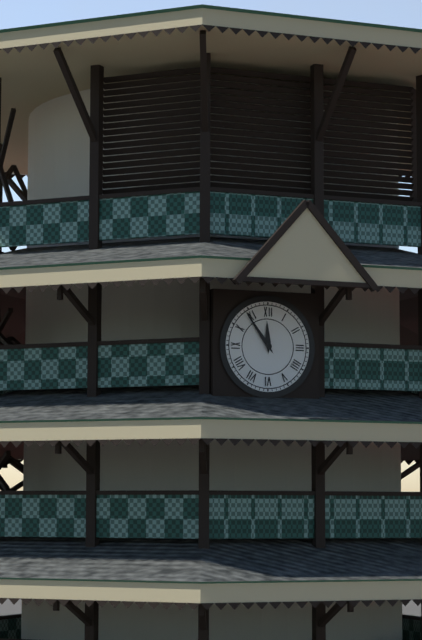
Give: 11h54
